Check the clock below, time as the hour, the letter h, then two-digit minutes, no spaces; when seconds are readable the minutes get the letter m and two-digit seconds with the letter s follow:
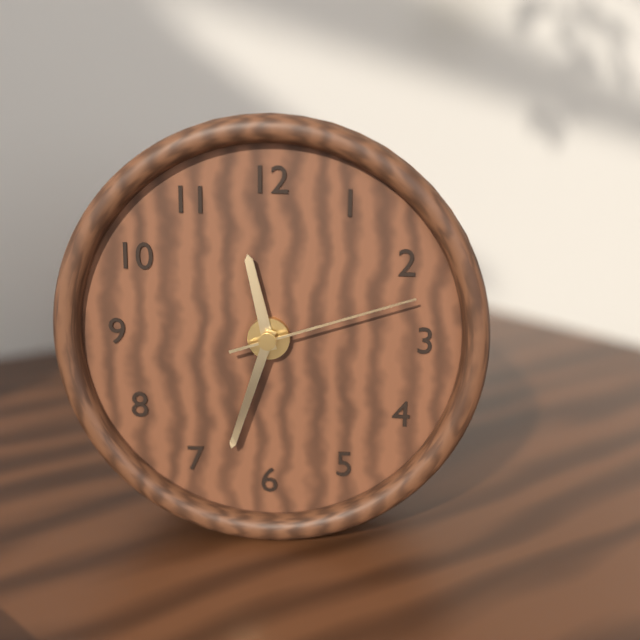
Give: 11h33m12s
